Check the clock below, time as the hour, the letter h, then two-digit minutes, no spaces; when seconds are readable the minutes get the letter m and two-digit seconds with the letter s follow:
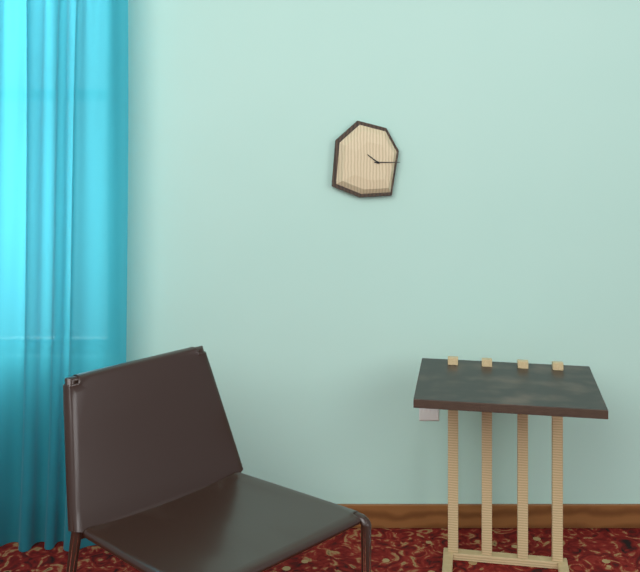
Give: 10h15
